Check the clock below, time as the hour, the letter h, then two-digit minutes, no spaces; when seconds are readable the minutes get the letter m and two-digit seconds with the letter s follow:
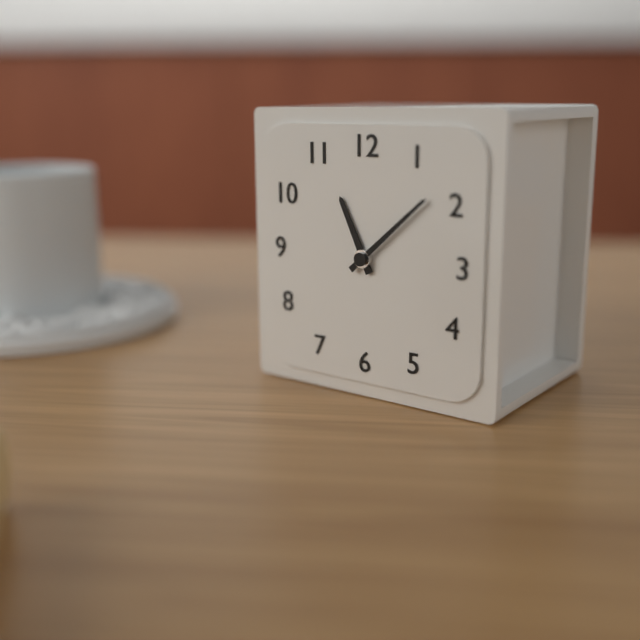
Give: 11h08
